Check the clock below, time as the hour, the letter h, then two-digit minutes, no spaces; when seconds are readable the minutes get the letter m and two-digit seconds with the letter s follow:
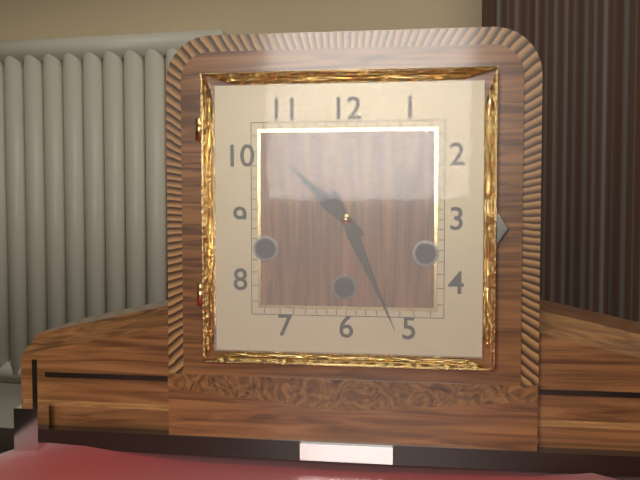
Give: 10h26
